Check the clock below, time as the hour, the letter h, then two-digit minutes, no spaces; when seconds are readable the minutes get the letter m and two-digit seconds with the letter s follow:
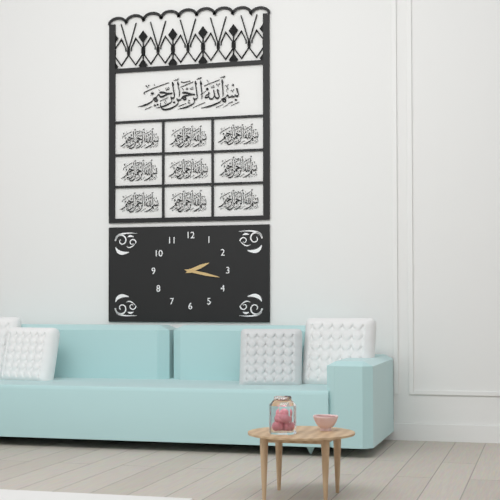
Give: 2h17
